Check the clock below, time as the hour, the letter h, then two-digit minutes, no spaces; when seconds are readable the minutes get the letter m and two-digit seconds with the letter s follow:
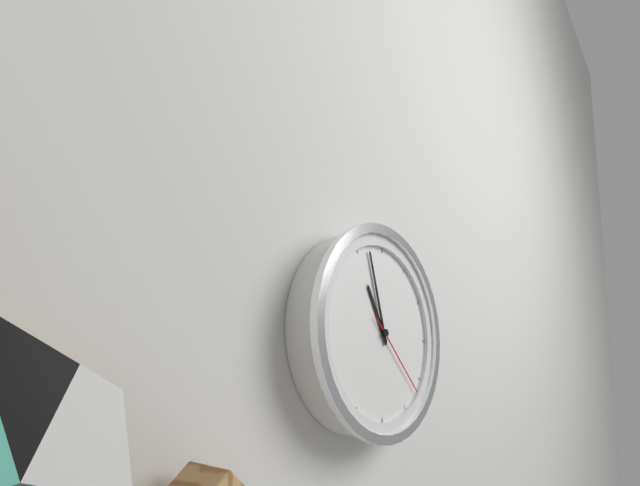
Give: 10h57m22s
